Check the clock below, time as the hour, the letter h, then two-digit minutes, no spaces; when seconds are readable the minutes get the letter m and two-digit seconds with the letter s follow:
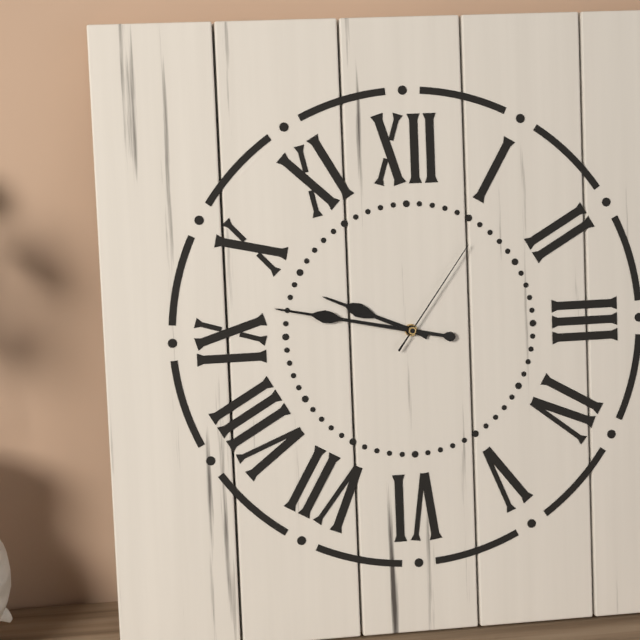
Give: 9h47m06s
